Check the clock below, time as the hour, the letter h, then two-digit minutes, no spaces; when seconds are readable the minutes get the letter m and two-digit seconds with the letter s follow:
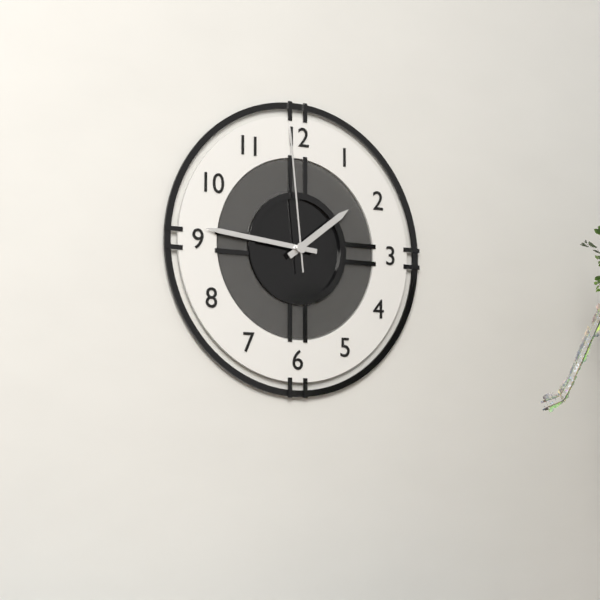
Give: 1h46m59s
